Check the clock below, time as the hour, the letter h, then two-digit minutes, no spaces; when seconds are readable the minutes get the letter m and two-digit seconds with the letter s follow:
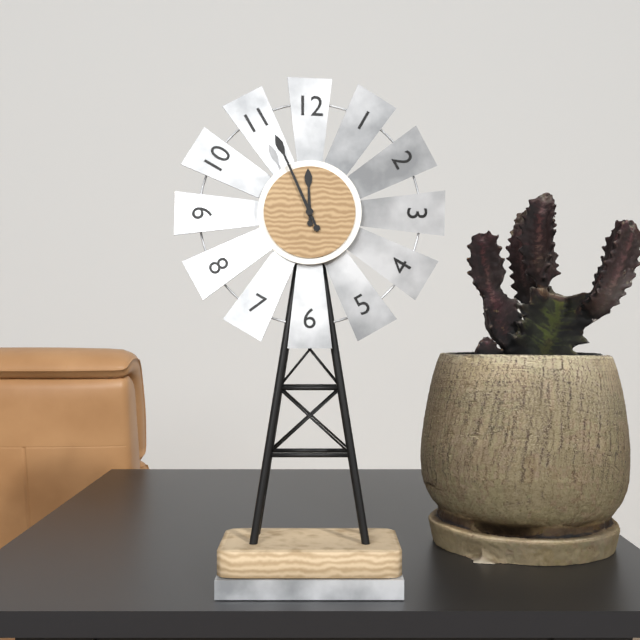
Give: 11h56
